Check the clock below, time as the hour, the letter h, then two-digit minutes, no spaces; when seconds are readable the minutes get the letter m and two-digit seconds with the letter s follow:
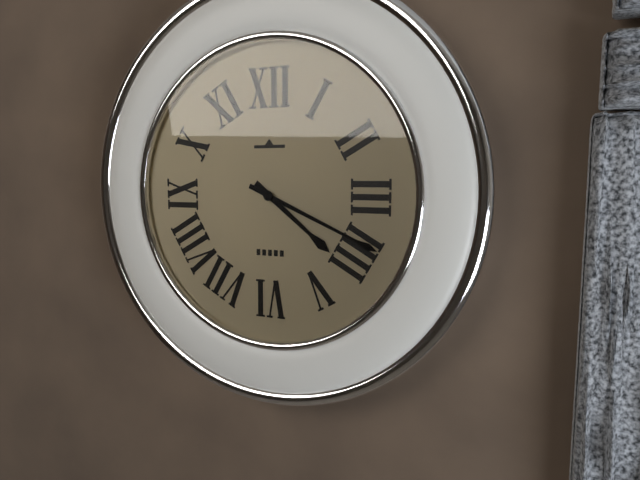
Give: 4h19
